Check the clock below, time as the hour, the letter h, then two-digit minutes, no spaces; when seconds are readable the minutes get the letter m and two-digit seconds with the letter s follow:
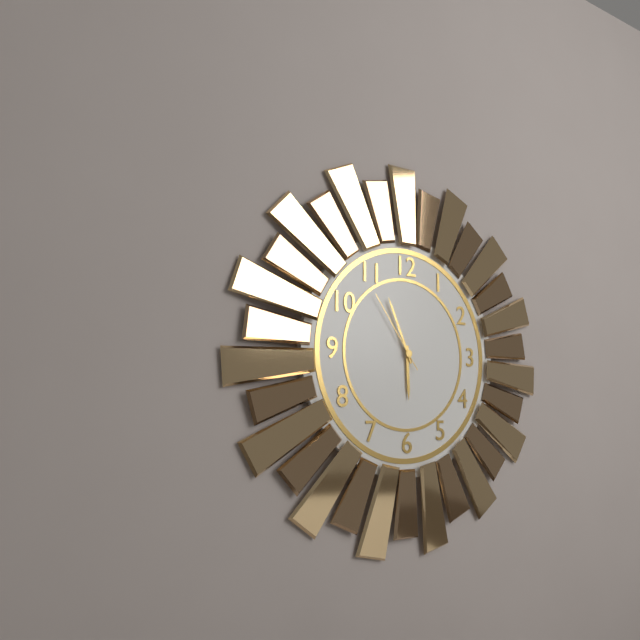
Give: 5h56m54s
